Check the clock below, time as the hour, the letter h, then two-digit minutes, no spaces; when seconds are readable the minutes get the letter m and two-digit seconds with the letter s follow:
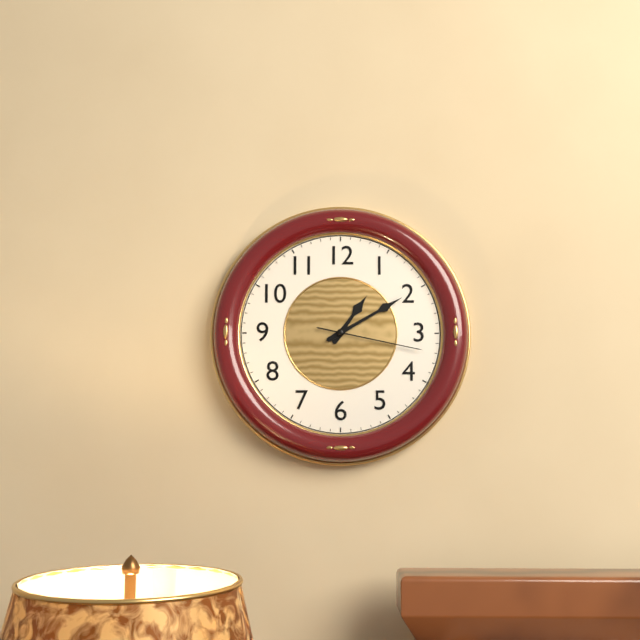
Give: 1h10m17s
